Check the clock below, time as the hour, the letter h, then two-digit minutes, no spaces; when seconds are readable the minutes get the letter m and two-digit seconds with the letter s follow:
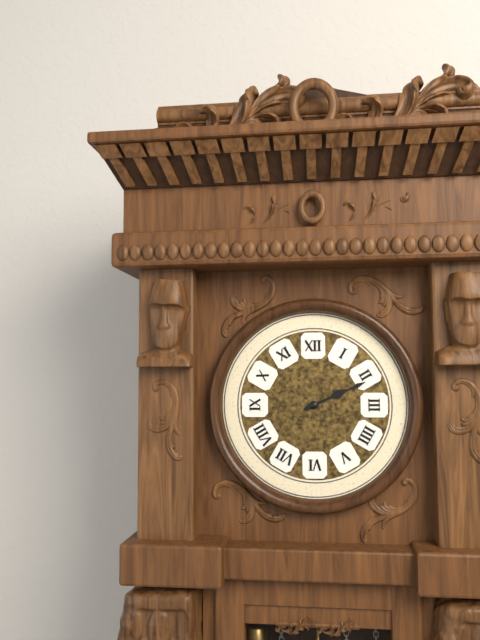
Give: 2h11
